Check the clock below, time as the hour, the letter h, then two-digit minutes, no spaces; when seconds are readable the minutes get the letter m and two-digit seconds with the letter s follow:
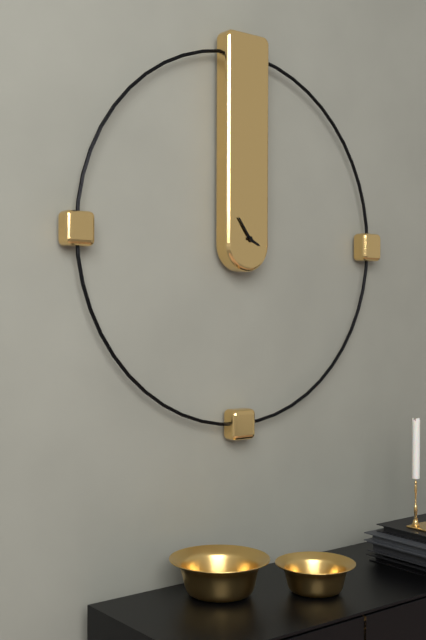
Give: 3h54
